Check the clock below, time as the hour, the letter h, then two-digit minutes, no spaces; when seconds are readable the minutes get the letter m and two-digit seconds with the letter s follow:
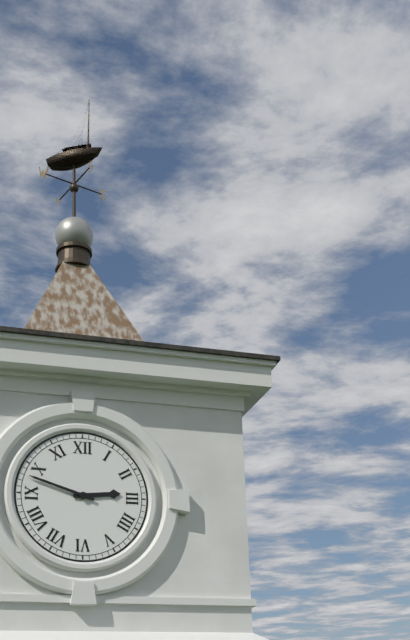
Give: 2h48
